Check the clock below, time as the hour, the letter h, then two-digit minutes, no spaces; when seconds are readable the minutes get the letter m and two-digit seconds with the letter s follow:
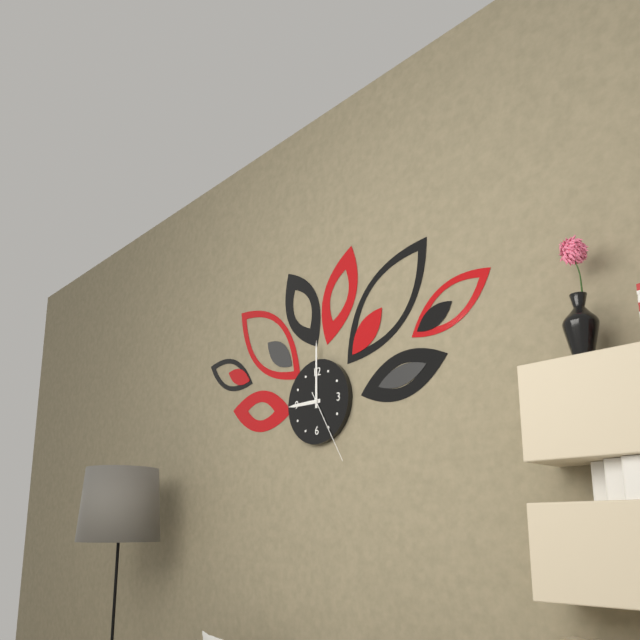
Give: 9h00m25s
